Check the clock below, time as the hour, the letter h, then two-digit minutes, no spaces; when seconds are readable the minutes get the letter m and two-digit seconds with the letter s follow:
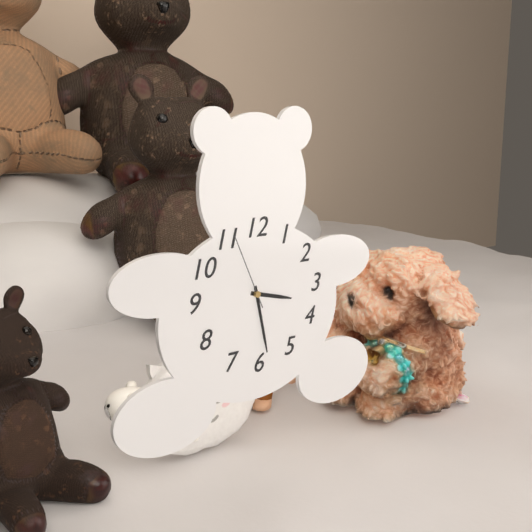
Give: 3h28m56s
